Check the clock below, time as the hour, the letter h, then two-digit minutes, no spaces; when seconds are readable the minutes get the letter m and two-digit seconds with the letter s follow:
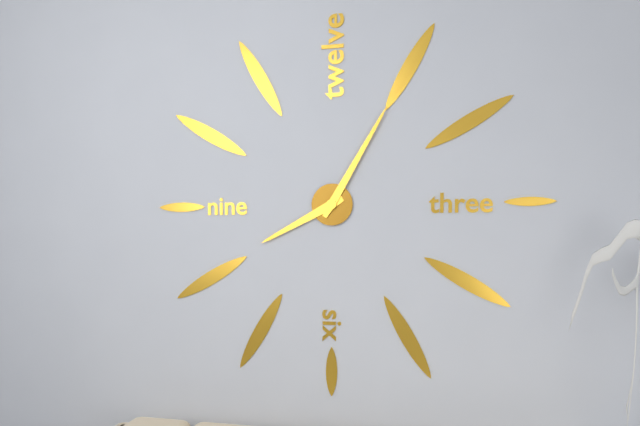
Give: 8h05
